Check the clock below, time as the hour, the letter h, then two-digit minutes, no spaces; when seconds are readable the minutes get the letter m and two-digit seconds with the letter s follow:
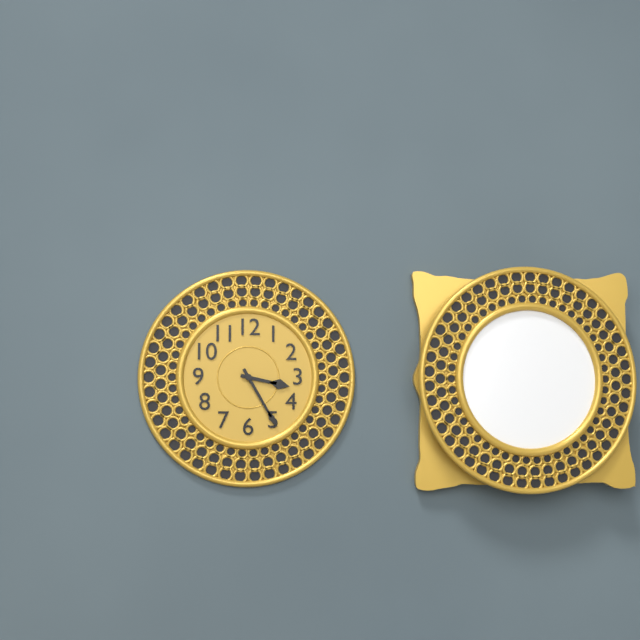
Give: 3h25
